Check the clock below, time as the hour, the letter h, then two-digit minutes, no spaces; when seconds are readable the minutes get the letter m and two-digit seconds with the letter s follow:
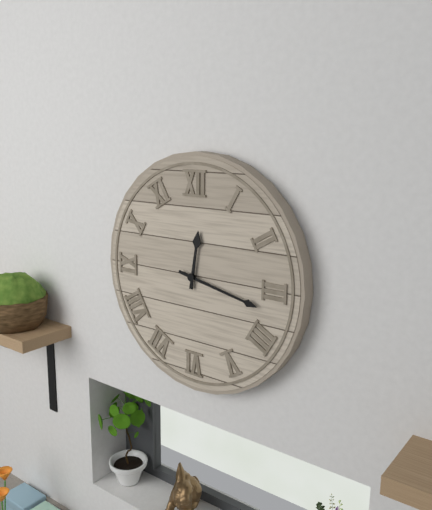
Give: 12h17
